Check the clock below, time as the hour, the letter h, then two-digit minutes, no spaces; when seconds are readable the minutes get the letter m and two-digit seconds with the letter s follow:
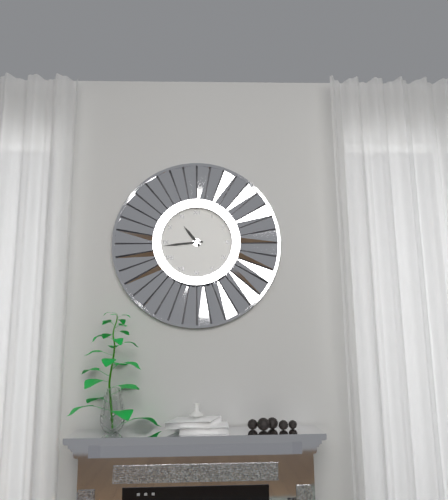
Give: 10h44
